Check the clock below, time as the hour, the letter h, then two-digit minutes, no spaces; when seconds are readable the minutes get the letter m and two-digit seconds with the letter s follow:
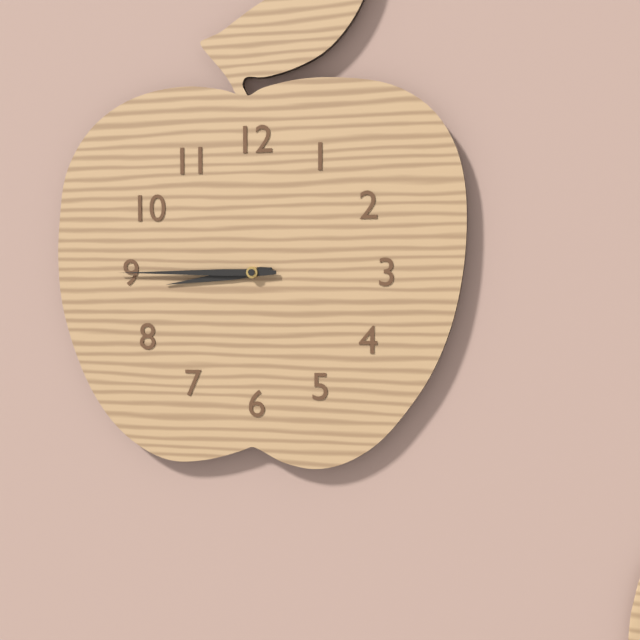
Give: 8h45
